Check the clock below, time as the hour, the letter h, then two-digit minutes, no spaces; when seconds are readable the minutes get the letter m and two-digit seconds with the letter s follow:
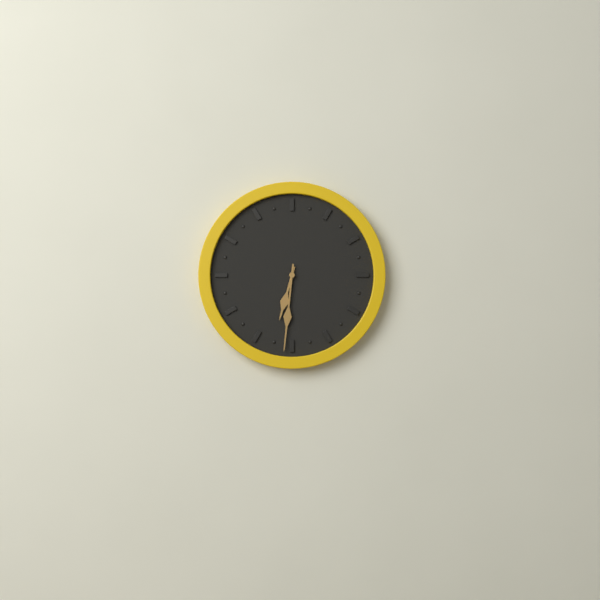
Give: 6h31
